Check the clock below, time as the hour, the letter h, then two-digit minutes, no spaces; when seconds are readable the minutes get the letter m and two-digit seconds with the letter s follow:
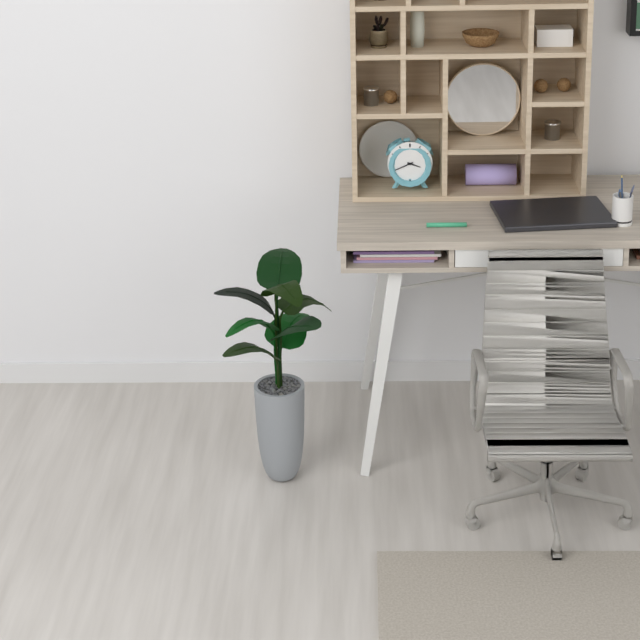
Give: 3h41
